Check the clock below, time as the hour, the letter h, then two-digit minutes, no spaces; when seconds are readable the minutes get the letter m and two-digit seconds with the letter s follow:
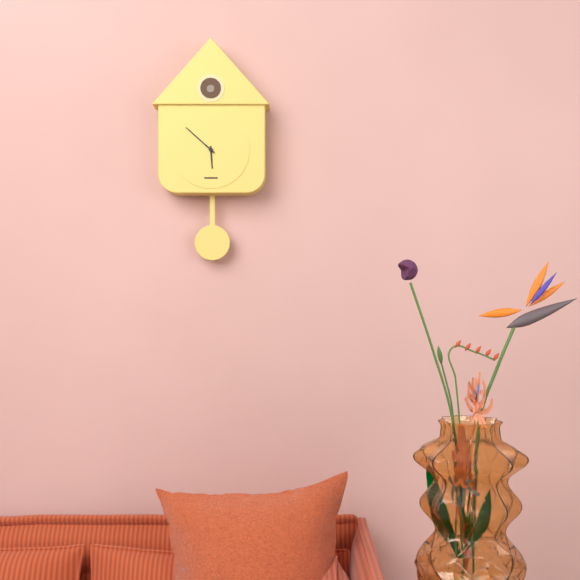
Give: 5h52
